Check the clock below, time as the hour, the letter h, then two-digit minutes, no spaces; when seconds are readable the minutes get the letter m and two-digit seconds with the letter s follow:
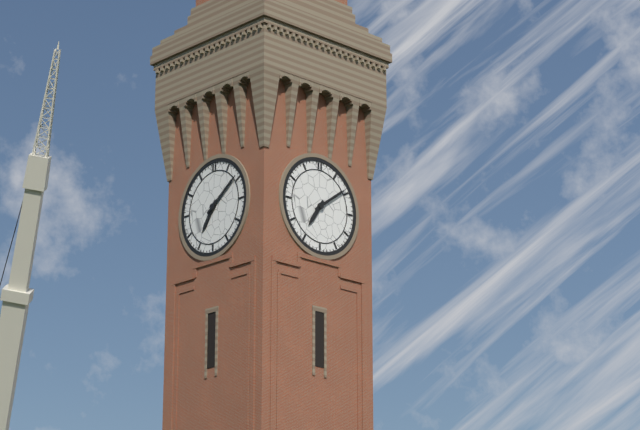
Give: 7h09
